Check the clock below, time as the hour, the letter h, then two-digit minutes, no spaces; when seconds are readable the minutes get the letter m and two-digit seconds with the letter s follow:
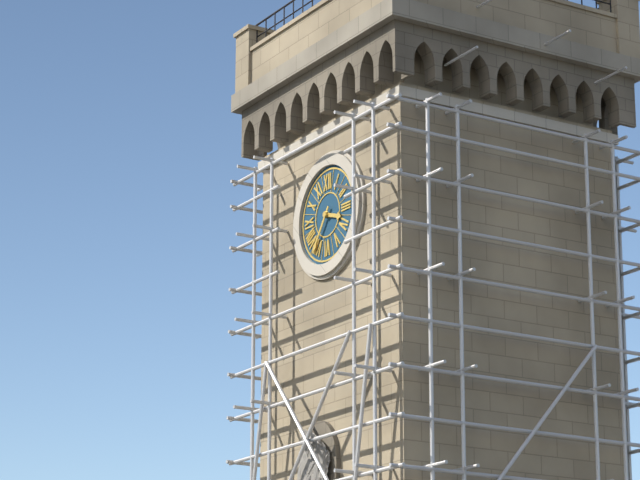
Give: 3h36
